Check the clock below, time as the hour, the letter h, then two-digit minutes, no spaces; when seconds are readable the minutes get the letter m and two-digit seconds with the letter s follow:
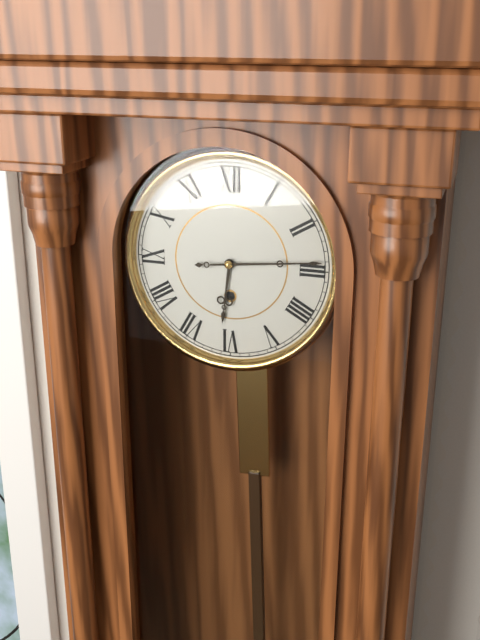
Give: 6h14
